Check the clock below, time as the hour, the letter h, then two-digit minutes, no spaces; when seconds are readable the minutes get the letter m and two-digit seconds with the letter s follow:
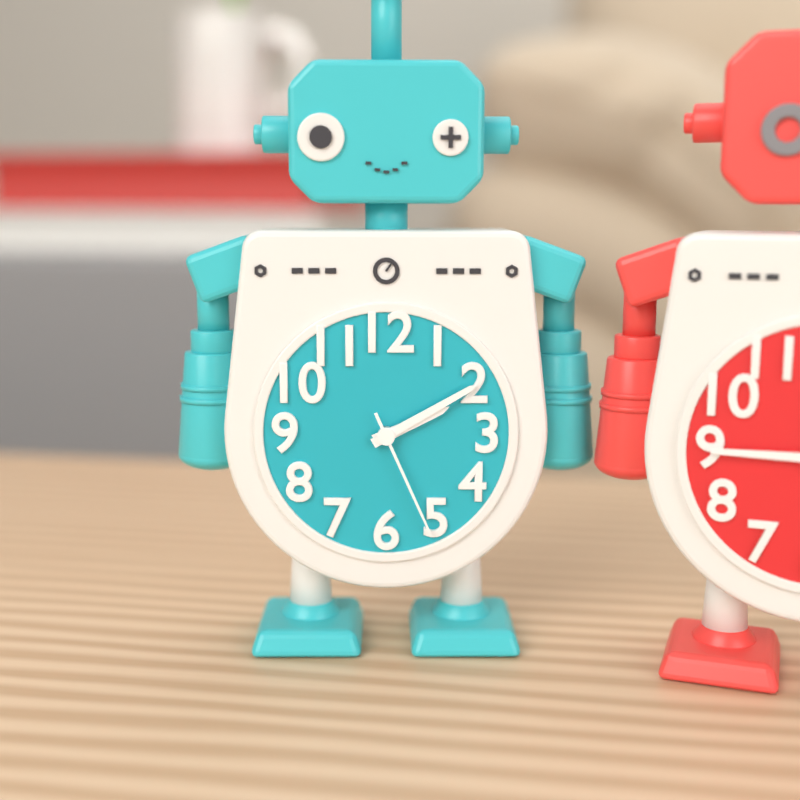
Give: 2h10m26s
